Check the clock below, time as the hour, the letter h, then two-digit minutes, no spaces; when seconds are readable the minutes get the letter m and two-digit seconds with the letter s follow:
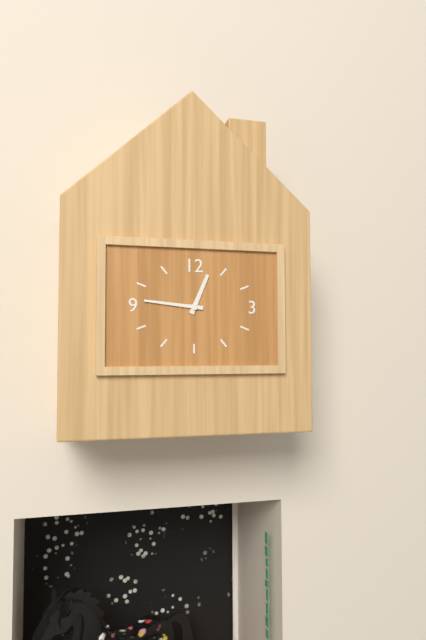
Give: 12h46
